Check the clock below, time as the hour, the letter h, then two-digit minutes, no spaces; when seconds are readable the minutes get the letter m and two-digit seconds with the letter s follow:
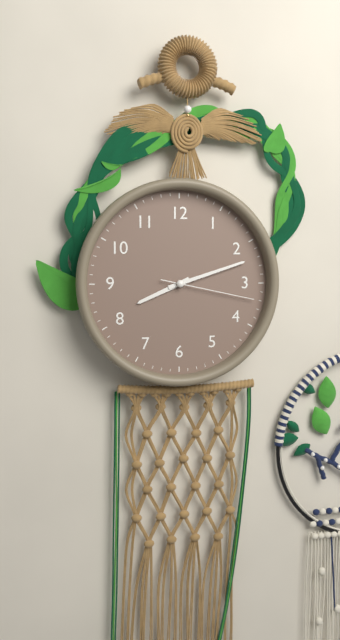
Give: 8h12m17s
